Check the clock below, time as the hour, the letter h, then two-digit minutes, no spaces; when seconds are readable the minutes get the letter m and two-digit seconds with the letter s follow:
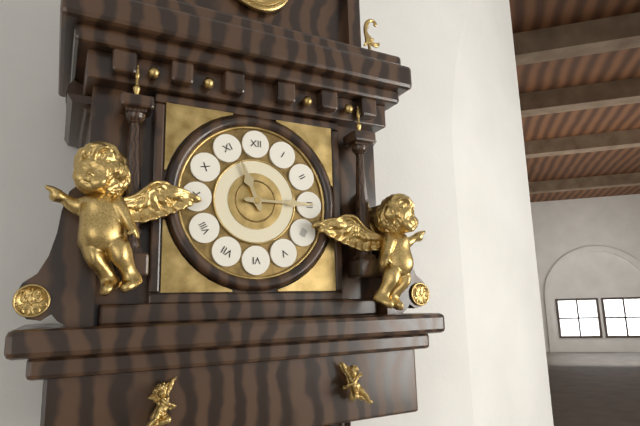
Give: 11h15
